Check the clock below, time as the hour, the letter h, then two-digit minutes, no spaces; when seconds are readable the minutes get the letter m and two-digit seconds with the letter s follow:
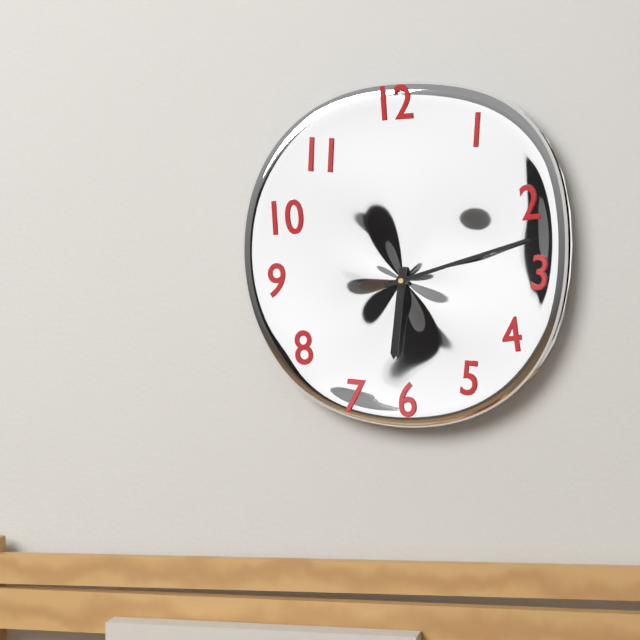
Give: 6h12
